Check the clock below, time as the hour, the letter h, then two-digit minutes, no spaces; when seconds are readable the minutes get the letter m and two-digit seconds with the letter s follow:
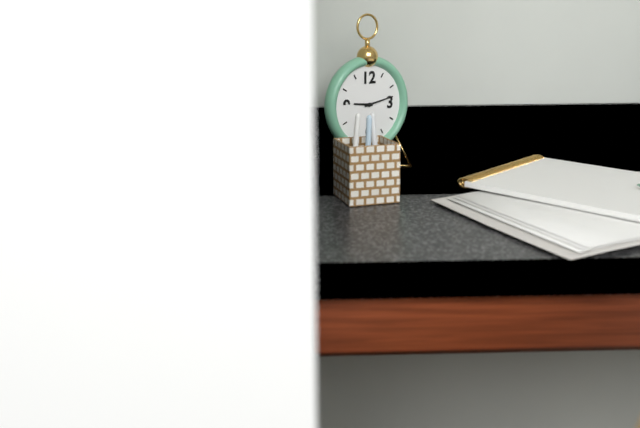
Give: 9h13
